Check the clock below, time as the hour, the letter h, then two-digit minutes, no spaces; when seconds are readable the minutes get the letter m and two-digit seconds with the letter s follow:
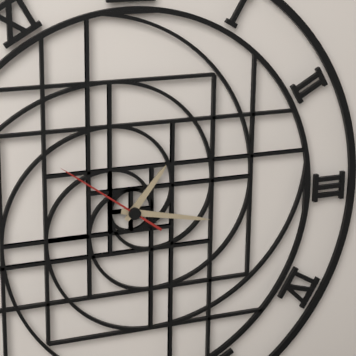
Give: 1h17m51s
